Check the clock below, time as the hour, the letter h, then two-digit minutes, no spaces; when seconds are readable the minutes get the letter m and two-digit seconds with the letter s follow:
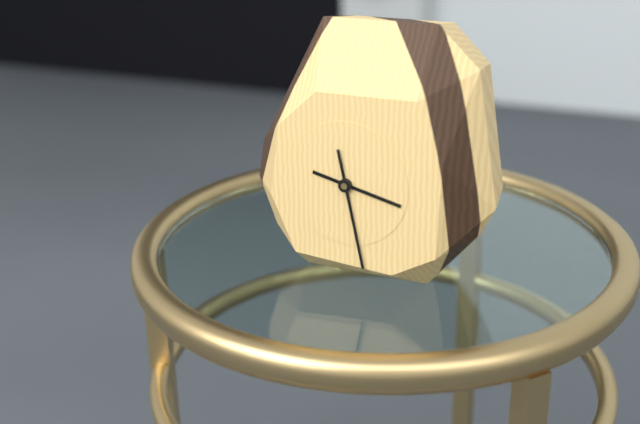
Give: 3h28
